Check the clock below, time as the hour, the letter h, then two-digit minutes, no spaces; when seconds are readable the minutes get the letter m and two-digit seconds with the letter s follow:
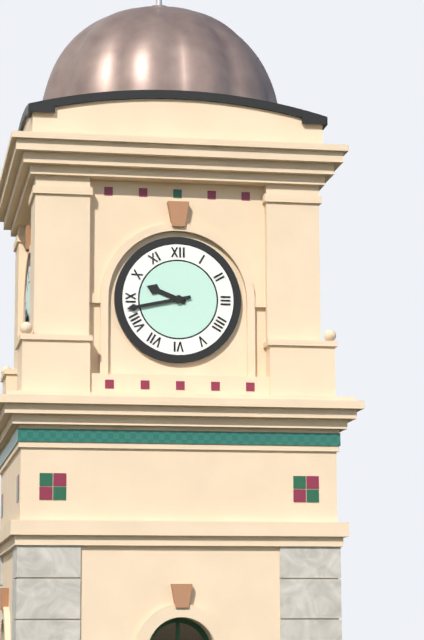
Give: 9h43
